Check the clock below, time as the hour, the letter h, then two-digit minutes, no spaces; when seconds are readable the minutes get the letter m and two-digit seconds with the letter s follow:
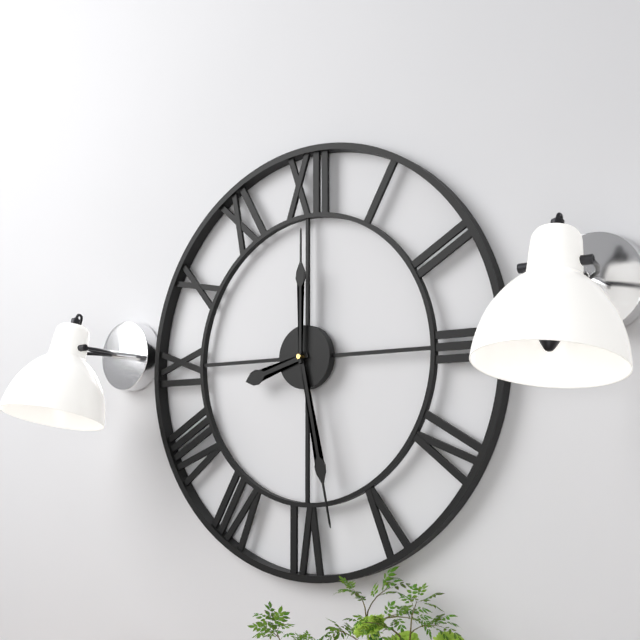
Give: 8h28m00s
